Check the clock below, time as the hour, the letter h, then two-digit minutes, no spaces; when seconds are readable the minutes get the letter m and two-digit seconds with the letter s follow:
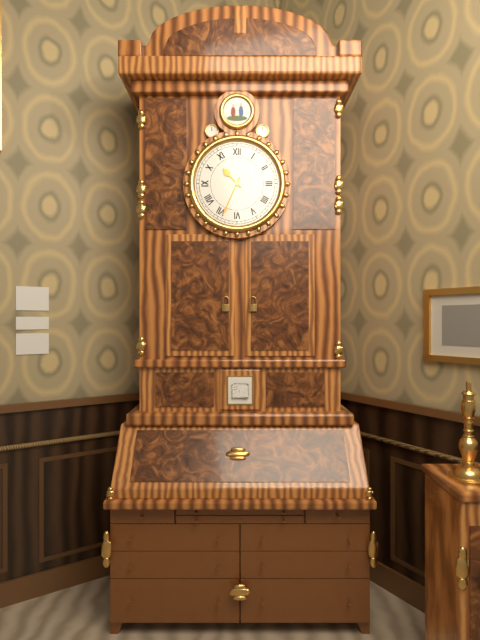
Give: 10h34
